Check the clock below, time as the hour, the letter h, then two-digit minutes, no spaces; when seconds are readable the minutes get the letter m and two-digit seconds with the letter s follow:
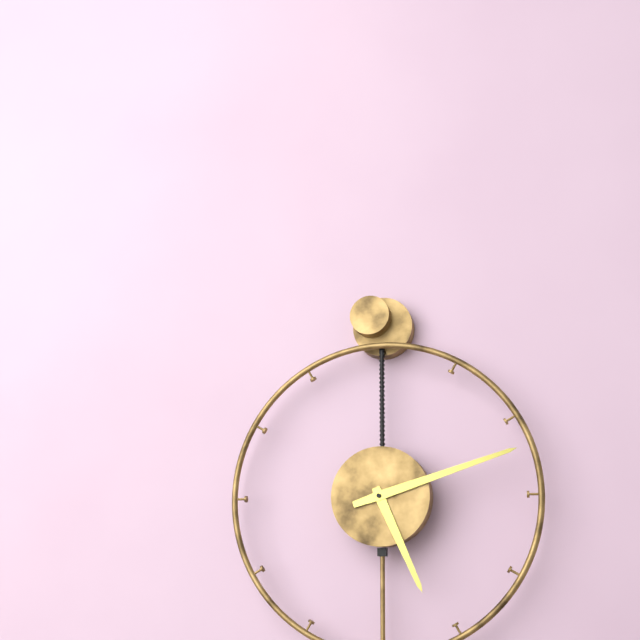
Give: 5h12
